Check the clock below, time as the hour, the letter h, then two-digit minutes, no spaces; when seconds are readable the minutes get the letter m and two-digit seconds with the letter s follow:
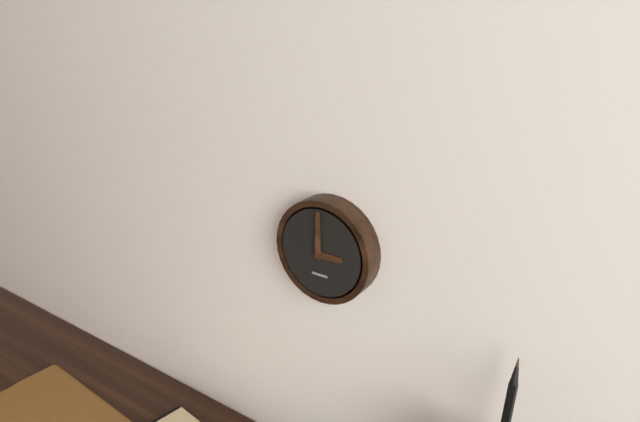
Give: 3h00
